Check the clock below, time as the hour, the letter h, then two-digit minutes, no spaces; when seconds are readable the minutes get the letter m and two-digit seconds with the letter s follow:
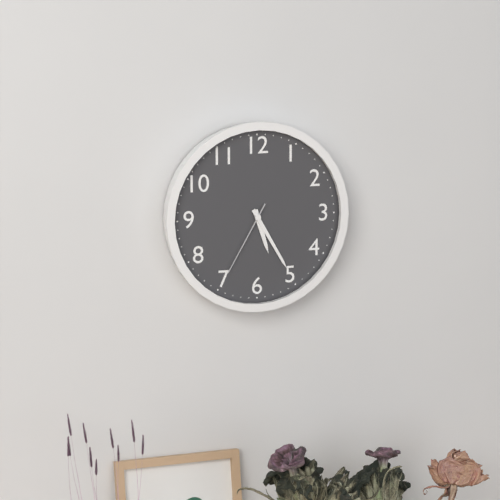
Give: 5h25m35s
